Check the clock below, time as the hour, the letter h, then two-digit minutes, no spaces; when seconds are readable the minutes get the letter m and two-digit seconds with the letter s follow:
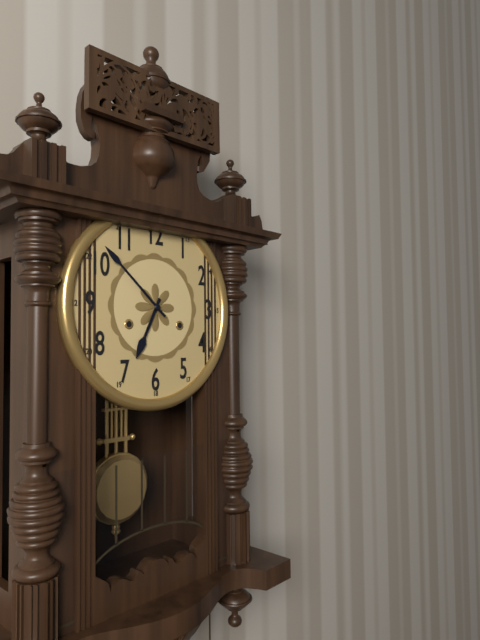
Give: 6h52
